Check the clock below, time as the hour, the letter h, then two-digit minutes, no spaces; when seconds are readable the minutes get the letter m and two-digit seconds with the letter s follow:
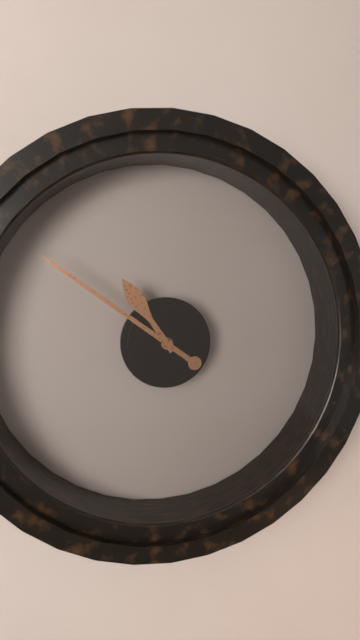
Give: 10h51
